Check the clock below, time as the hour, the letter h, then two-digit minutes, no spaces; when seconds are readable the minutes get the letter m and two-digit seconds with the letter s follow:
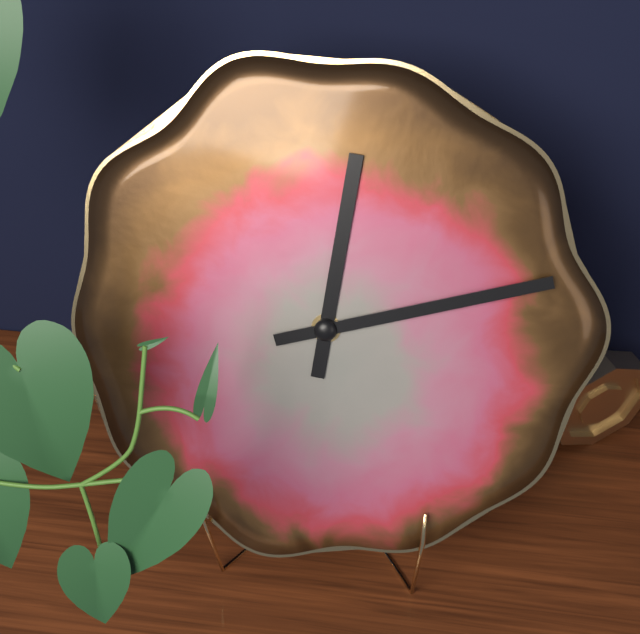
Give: 12h12
